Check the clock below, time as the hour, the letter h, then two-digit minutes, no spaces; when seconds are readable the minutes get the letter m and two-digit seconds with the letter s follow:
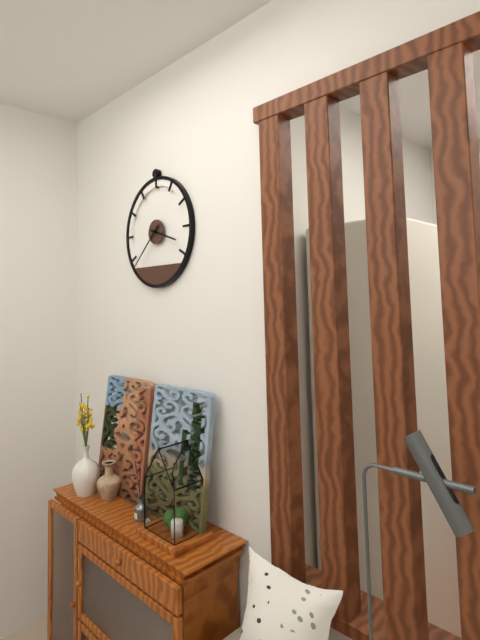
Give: 3h38
